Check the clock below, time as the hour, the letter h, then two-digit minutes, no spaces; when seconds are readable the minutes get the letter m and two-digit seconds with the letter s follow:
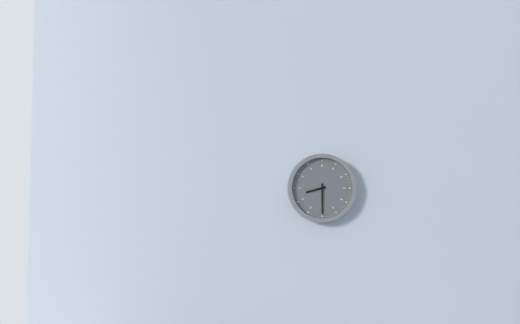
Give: 8h30
